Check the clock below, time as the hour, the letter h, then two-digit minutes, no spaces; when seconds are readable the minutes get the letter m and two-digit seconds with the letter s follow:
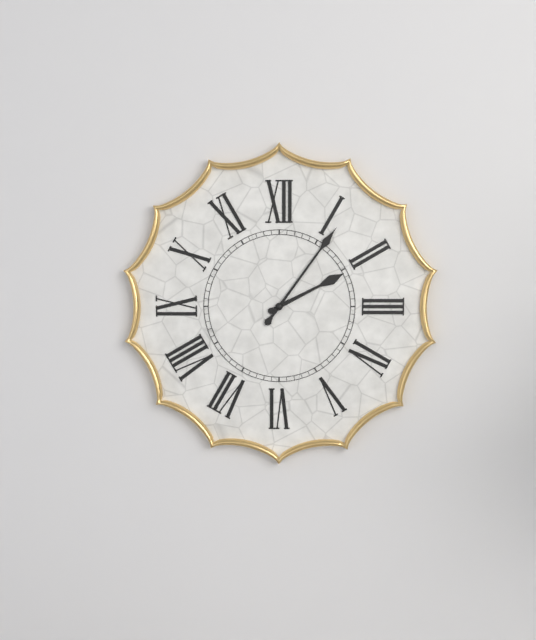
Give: 2h06
